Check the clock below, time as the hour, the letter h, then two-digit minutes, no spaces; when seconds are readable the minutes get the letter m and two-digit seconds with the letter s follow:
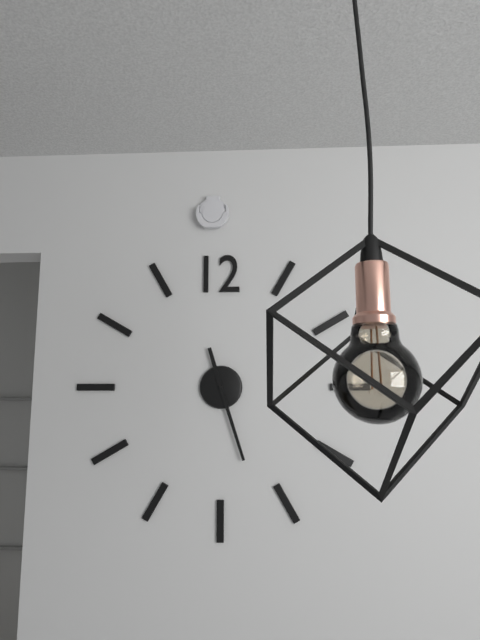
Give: 11h27
